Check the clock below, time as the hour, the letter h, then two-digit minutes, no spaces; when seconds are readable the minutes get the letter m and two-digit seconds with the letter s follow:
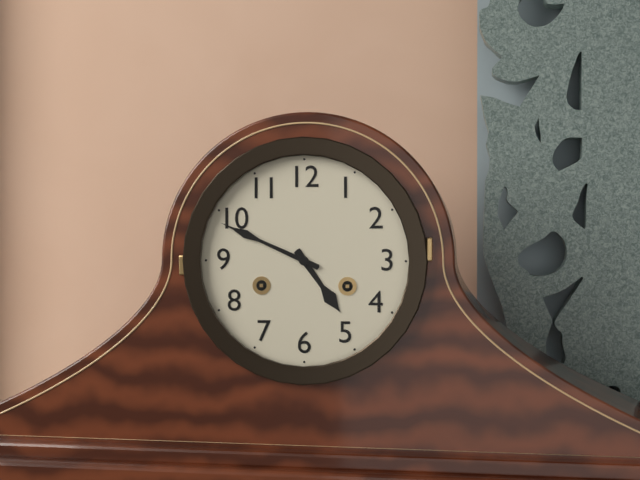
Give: 4h49
